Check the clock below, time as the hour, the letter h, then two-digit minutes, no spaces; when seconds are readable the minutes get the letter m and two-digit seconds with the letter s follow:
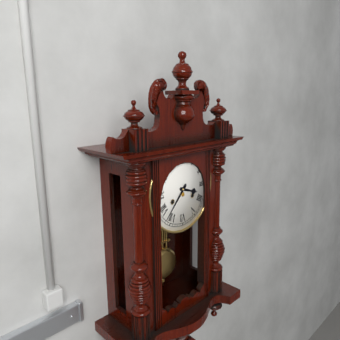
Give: 3h37
